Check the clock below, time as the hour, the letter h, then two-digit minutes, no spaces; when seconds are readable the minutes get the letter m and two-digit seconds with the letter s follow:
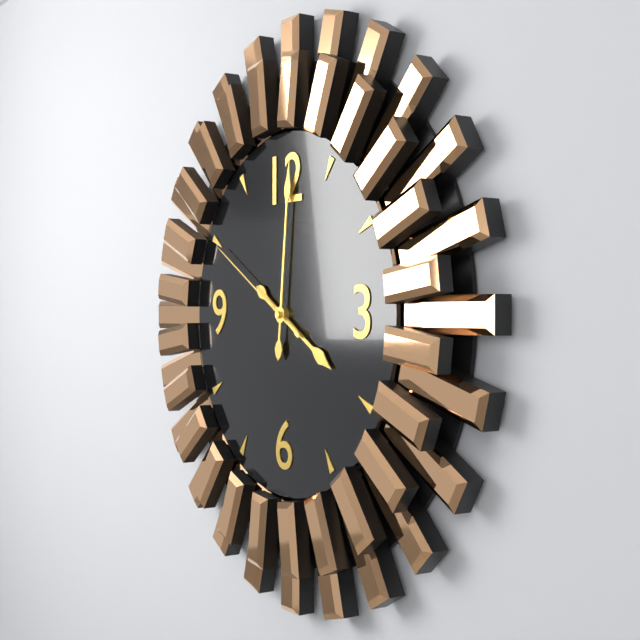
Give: 4h01m50s
